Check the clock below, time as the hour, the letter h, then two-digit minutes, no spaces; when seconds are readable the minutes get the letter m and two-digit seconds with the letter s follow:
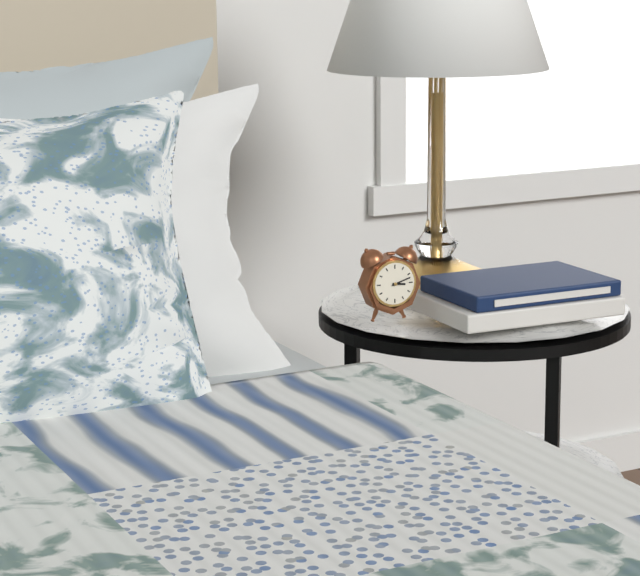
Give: 3h12
